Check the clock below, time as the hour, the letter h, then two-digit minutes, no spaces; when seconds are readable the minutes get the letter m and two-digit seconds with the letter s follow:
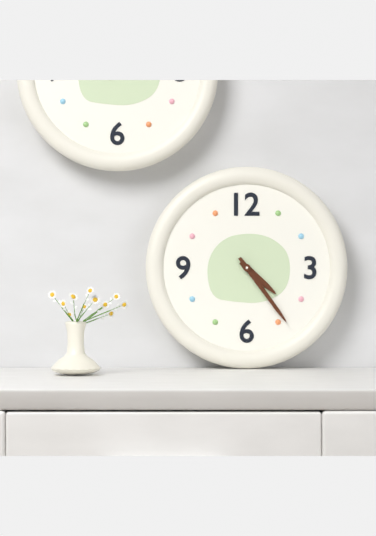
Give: 4h24
